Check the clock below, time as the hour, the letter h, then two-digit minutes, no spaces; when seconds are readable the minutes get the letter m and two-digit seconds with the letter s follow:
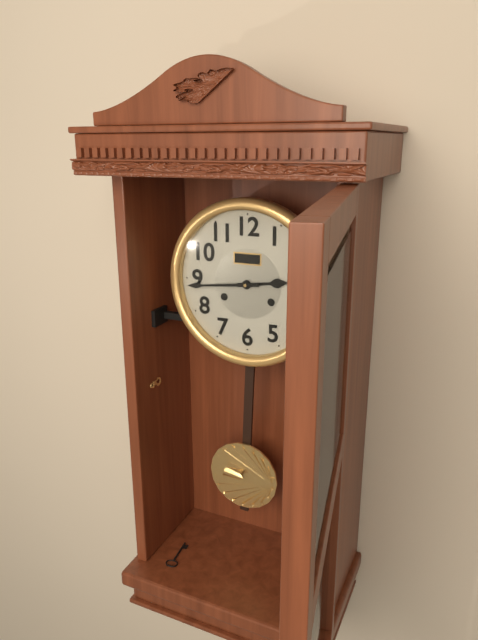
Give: 2h44
